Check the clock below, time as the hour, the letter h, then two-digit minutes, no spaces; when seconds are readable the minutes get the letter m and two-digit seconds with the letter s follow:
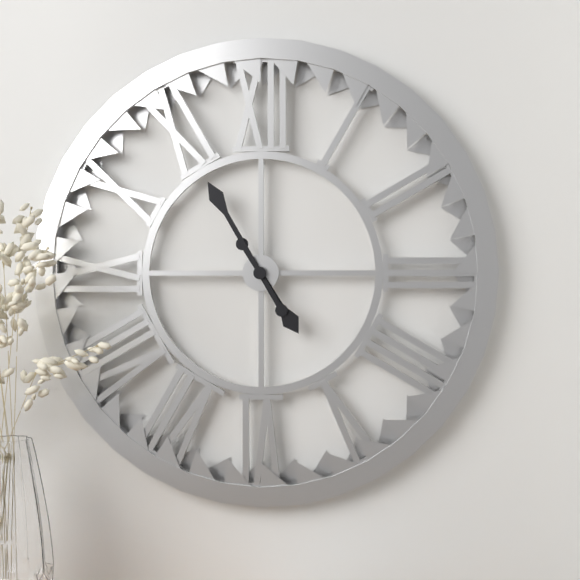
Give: 4h55
